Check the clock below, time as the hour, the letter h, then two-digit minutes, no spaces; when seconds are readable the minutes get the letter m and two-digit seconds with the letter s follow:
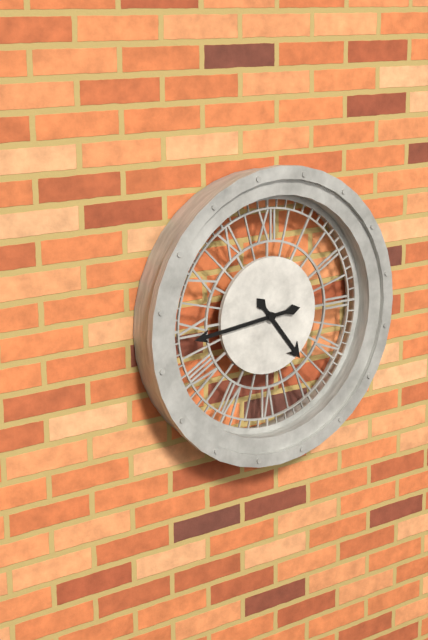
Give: 4h44
